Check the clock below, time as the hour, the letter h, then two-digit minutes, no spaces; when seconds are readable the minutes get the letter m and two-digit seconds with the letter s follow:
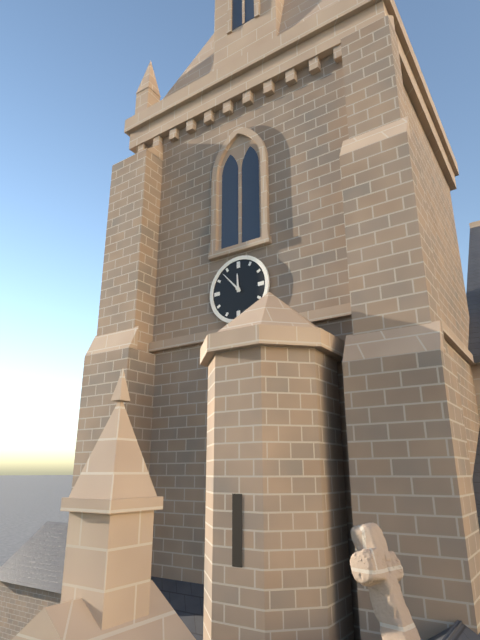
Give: 11h53
